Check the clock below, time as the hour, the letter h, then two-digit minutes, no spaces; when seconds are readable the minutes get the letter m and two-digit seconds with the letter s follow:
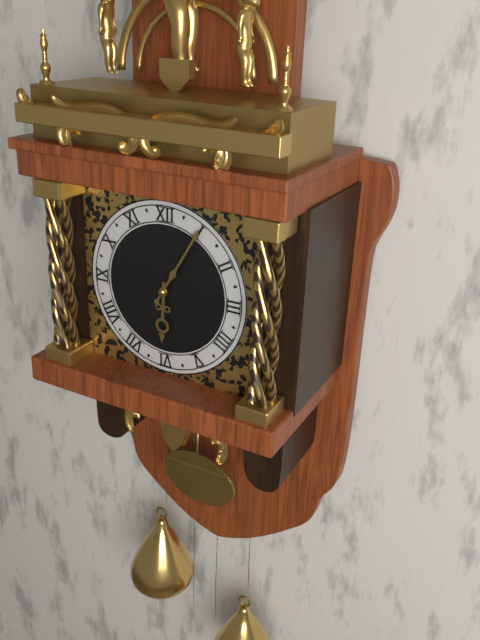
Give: 6h05
